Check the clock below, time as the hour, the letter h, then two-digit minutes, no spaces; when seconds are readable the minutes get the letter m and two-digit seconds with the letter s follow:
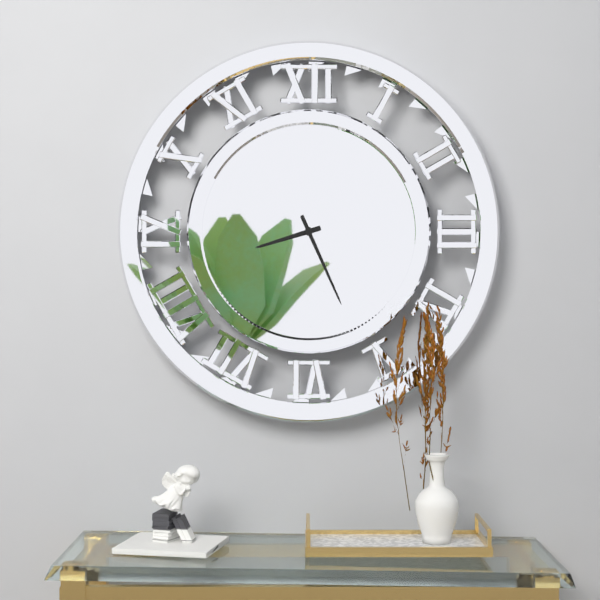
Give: 8h26
